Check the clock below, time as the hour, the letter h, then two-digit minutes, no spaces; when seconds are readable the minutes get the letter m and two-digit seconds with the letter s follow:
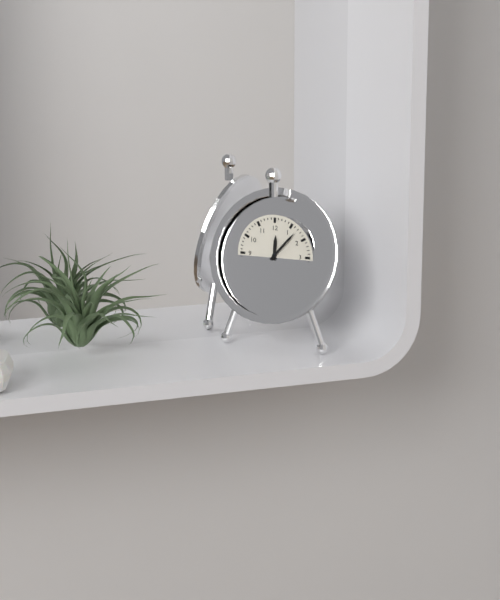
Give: 12h07
